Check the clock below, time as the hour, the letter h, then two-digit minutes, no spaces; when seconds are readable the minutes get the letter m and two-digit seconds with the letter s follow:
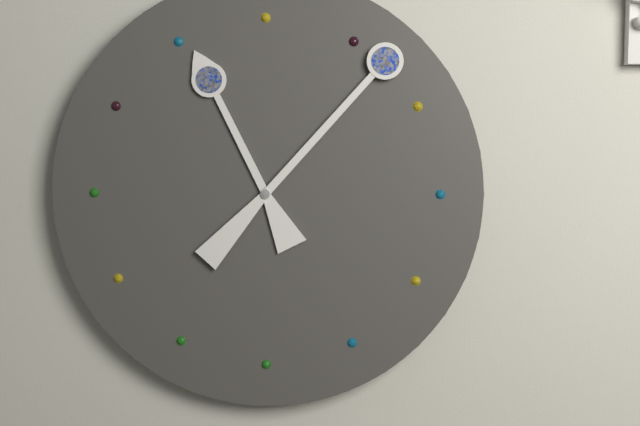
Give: 11h07
